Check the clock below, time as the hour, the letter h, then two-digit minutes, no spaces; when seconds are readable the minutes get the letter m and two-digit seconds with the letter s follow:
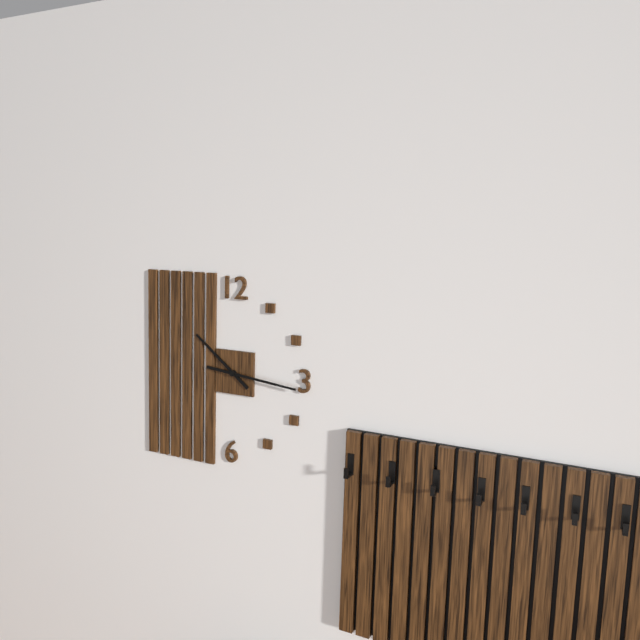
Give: 10h16
